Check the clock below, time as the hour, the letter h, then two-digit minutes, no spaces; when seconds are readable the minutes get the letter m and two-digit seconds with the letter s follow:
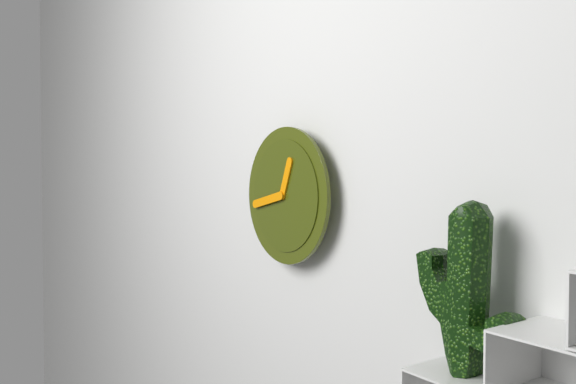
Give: 12h43
